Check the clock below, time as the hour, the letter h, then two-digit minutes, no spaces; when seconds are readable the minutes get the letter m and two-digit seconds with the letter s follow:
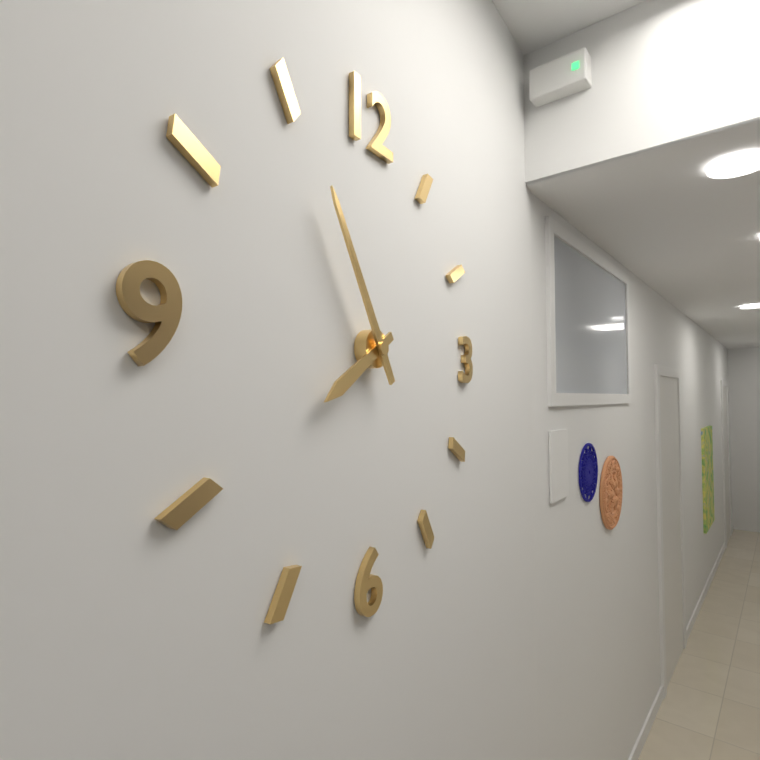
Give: 7h55
